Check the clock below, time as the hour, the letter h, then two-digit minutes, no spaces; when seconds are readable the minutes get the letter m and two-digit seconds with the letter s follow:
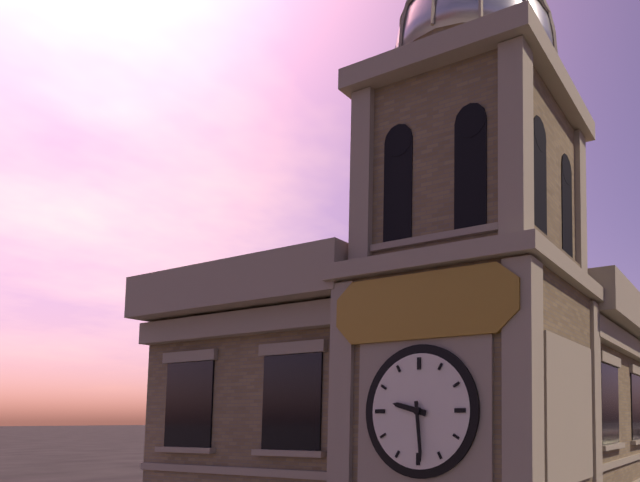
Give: 9h29
